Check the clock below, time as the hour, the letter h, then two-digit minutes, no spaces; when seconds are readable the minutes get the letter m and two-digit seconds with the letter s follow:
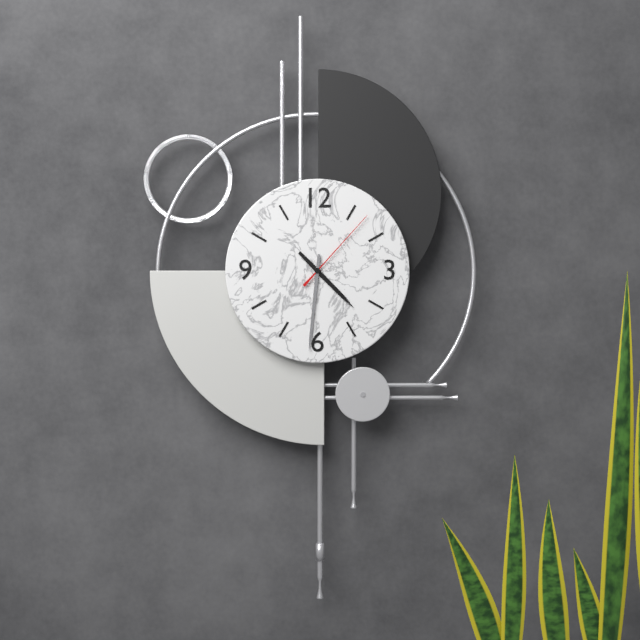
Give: 4h31m07s
